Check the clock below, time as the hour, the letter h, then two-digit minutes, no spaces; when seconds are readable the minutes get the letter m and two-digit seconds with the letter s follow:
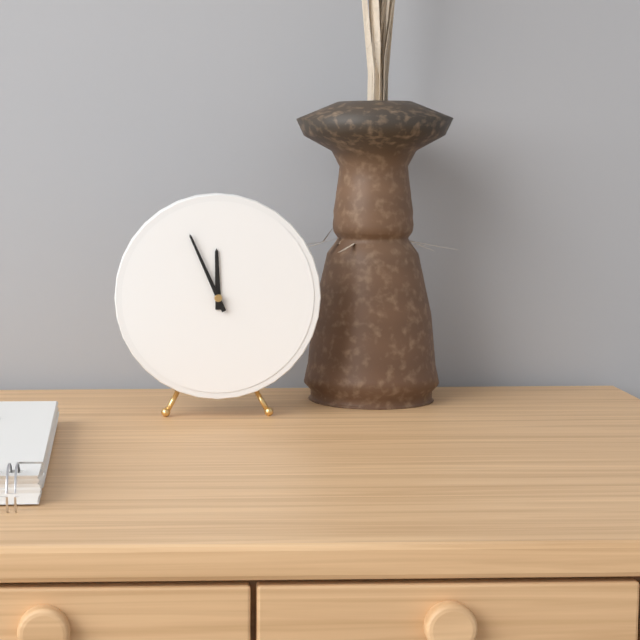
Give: 11h56
